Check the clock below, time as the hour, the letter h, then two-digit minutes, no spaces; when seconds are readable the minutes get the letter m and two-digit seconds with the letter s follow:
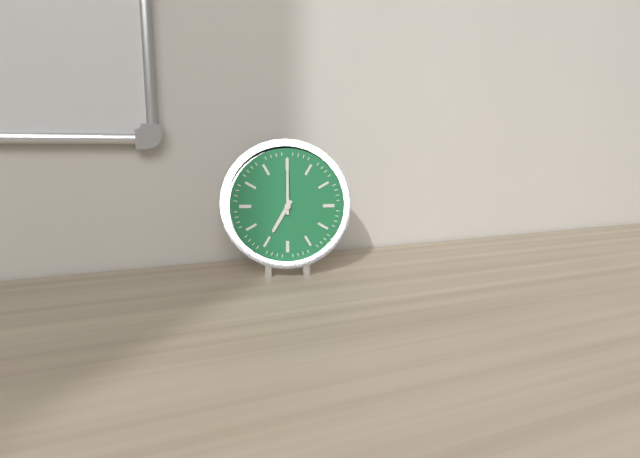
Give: 7h00
